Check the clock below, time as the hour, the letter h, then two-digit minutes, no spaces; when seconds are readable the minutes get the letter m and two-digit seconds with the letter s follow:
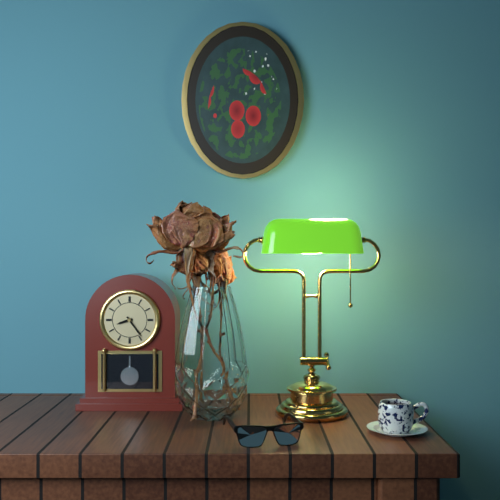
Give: 8h24
